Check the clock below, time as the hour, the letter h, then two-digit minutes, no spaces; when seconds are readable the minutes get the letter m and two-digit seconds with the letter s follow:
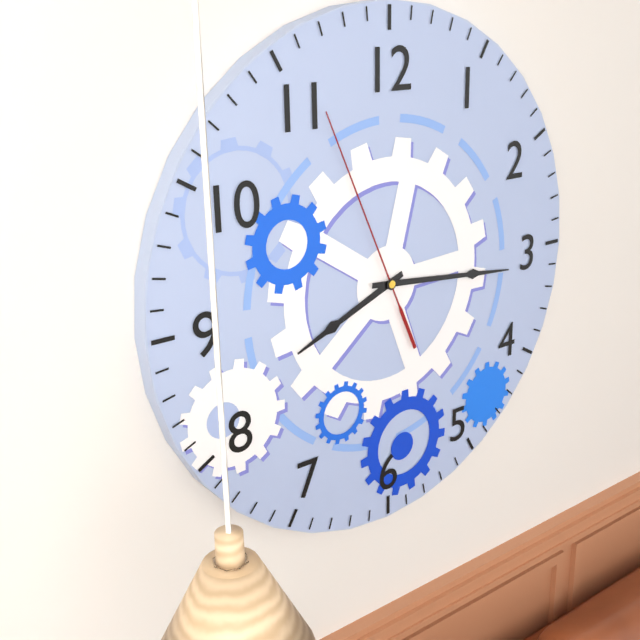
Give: 8h16m56s
